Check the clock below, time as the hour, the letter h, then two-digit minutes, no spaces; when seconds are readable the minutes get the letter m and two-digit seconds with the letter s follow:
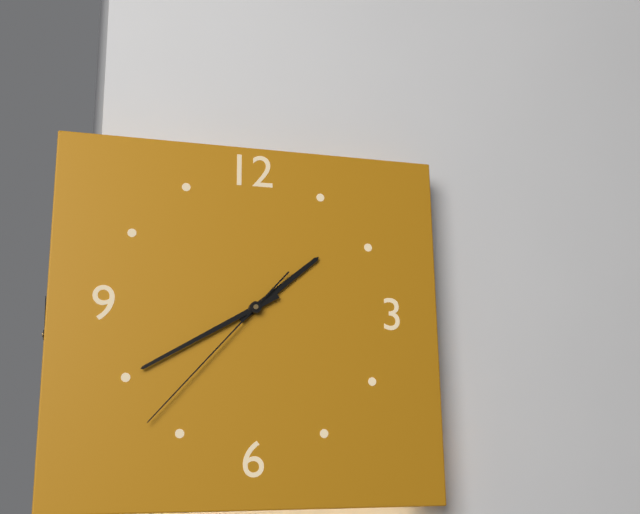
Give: 1h40m37s
